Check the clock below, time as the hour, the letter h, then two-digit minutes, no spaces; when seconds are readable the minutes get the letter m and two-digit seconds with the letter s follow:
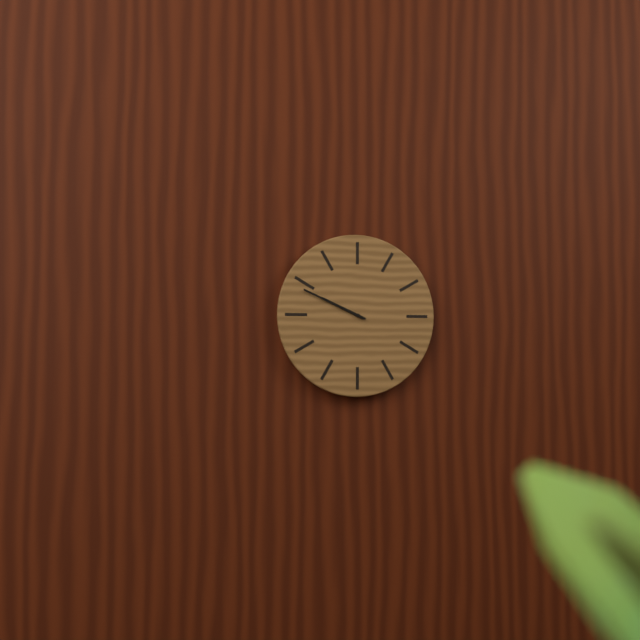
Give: 9h49
